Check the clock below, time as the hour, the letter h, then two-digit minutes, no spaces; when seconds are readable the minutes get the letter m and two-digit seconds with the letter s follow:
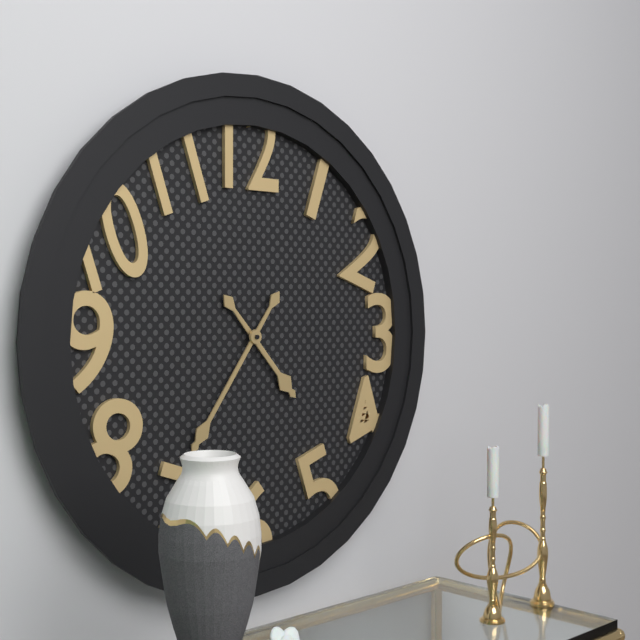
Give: 4h36
